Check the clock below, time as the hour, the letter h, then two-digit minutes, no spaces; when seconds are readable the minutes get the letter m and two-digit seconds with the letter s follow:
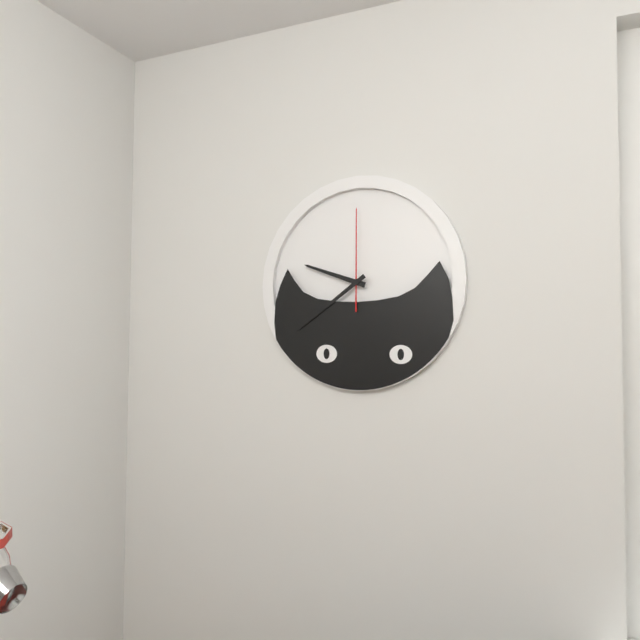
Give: 9h39m00s
